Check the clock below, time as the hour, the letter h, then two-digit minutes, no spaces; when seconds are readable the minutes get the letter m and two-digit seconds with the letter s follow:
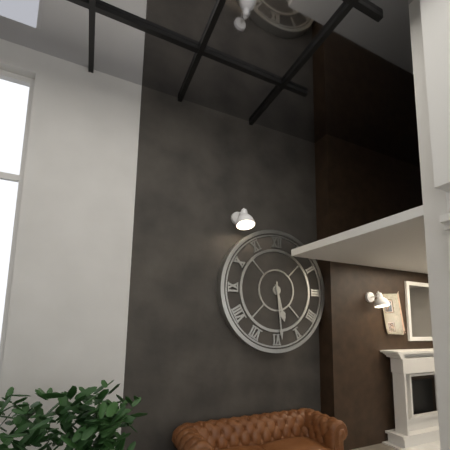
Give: 5h29
